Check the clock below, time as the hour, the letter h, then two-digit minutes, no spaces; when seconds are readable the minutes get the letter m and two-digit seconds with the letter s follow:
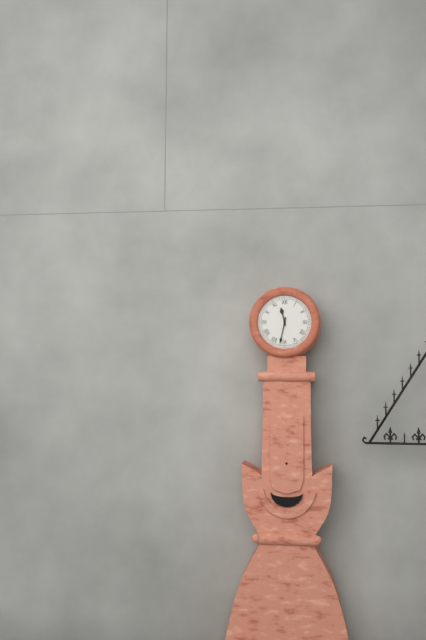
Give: 11h32
